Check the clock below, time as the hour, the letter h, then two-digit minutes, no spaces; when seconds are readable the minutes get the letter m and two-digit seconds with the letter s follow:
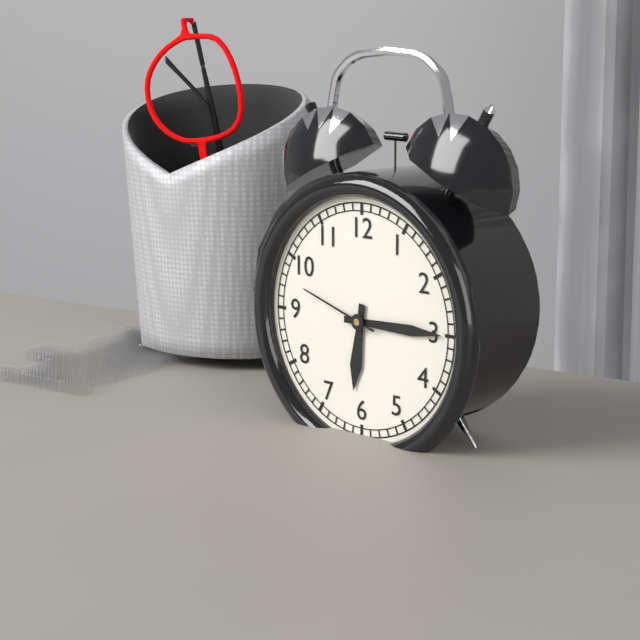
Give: 6h15m48s
